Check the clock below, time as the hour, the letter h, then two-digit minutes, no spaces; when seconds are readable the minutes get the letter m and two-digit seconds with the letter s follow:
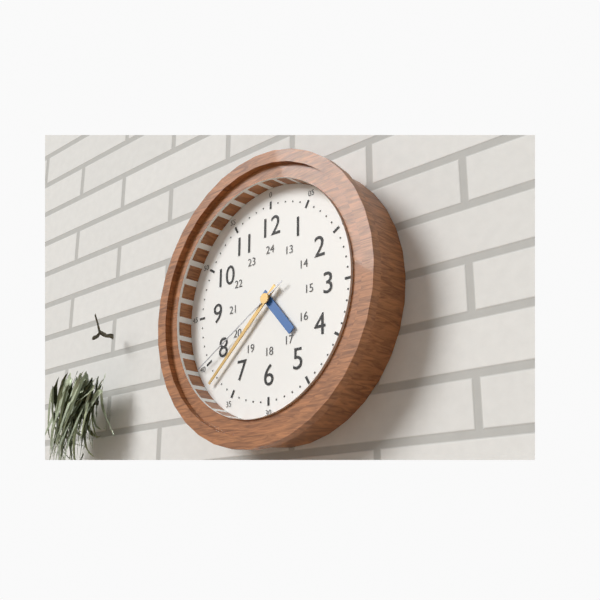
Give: 4h38m40s
